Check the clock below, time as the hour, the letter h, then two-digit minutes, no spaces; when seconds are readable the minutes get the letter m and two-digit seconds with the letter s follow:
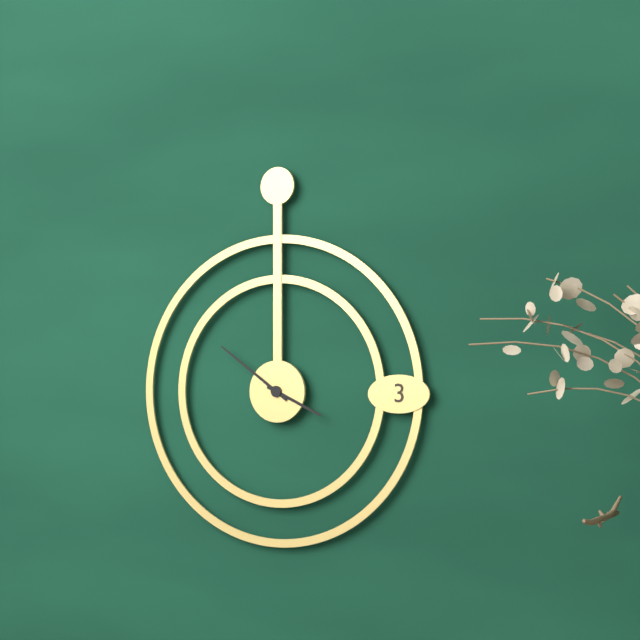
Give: 3h51
